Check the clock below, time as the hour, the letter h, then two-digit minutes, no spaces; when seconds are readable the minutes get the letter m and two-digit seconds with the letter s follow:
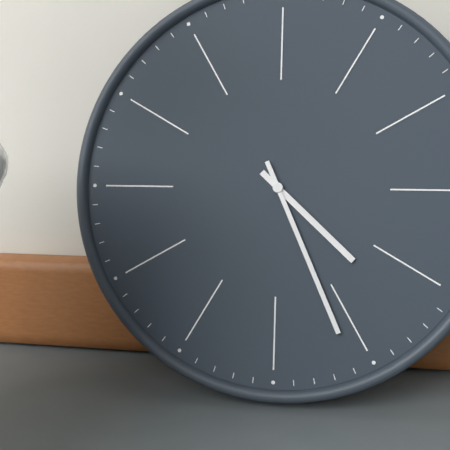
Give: 4h26
